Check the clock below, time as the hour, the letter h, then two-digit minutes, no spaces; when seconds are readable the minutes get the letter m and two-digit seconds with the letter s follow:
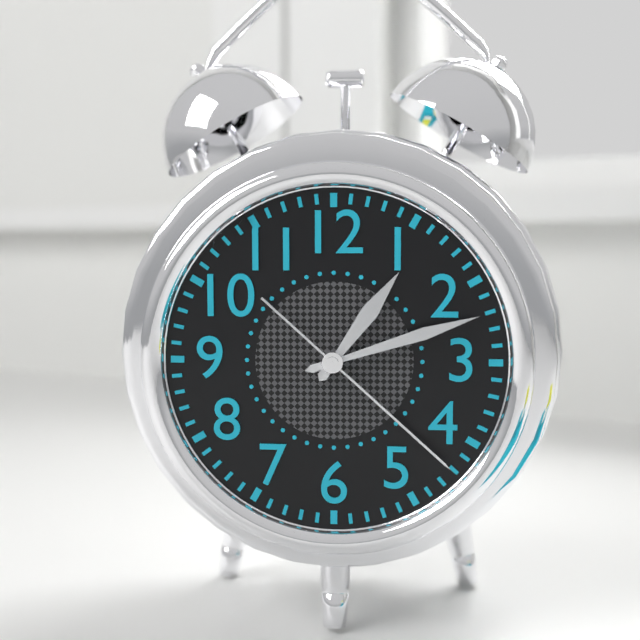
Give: 1h12m22s
